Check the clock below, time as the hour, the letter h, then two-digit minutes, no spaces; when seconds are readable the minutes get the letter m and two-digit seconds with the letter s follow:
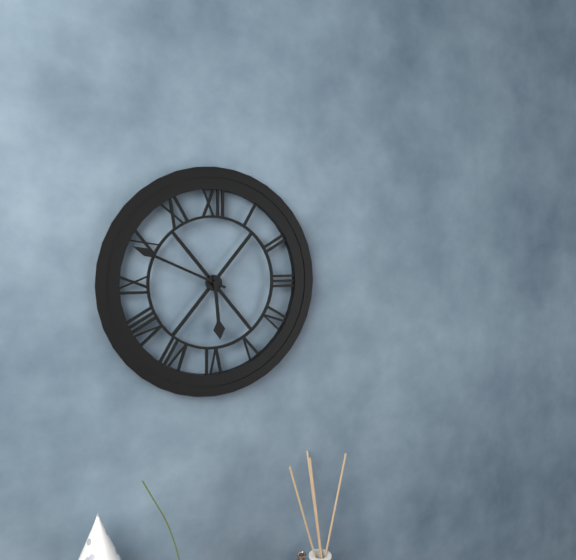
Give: 5h49
